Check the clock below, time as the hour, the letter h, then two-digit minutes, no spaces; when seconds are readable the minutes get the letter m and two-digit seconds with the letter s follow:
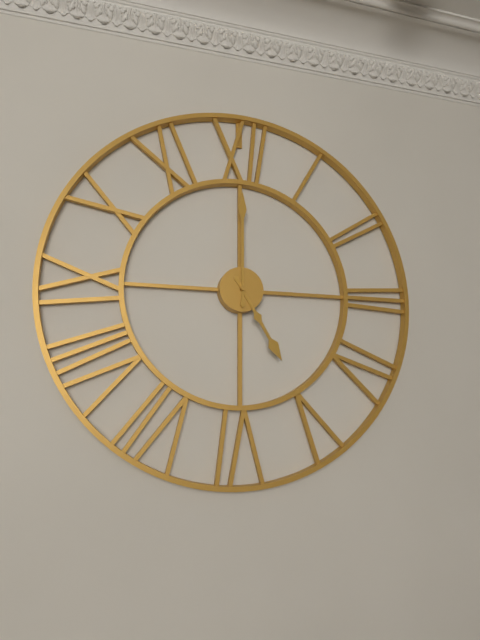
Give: 5h00
